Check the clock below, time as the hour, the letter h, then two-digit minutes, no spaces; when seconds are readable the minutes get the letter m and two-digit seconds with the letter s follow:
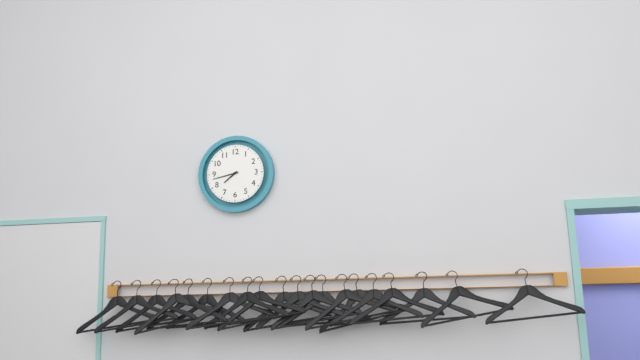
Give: 7h43
